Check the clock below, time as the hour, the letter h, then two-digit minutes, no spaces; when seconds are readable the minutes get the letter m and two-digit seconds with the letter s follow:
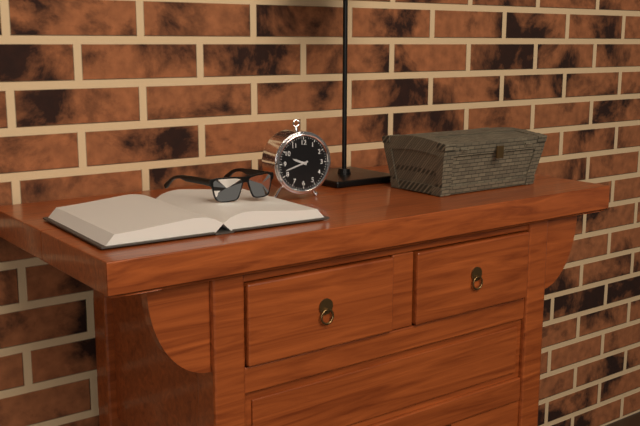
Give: 9h42
